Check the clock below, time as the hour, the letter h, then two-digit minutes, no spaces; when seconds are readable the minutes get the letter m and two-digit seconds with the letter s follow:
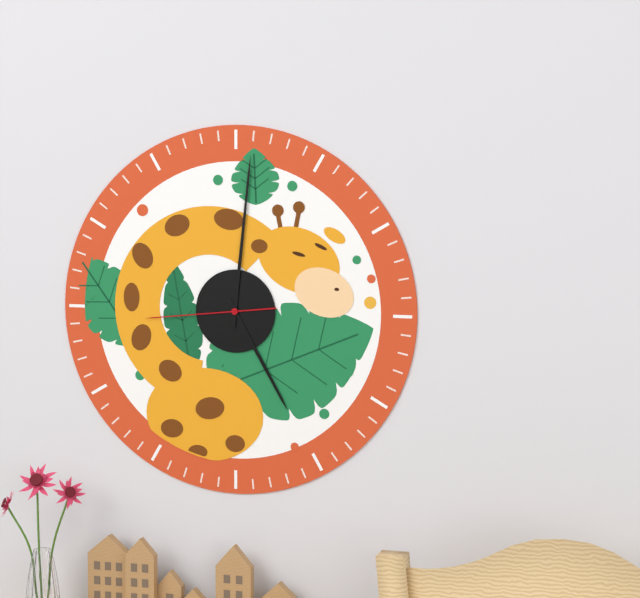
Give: 5h01m44s
